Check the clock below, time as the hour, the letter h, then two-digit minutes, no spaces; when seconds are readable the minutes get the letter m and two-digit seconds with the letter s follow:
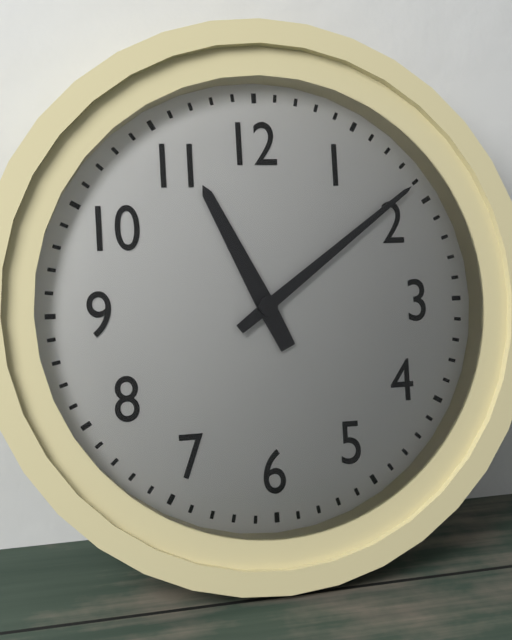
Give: 11h09
